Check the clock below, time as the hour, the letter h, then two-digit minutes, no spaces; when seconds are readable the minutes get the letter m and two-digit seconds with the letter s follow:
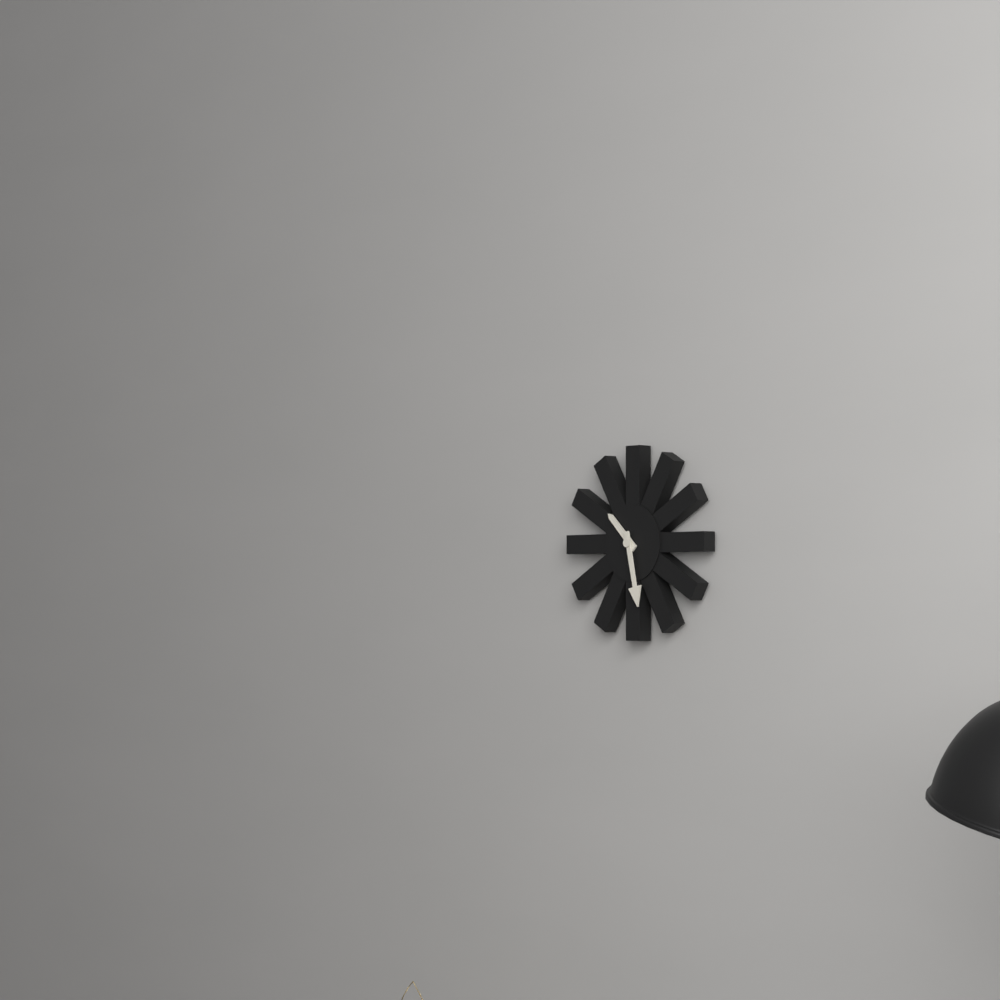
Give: 10h28
